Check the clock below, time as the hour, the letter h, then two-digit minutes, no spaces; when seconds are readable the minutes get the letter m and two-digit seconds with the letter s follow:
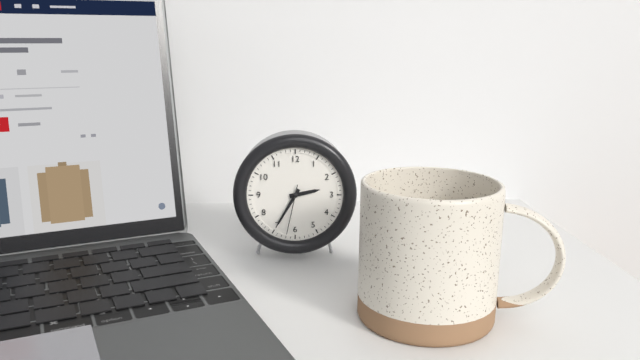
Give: 2h35
